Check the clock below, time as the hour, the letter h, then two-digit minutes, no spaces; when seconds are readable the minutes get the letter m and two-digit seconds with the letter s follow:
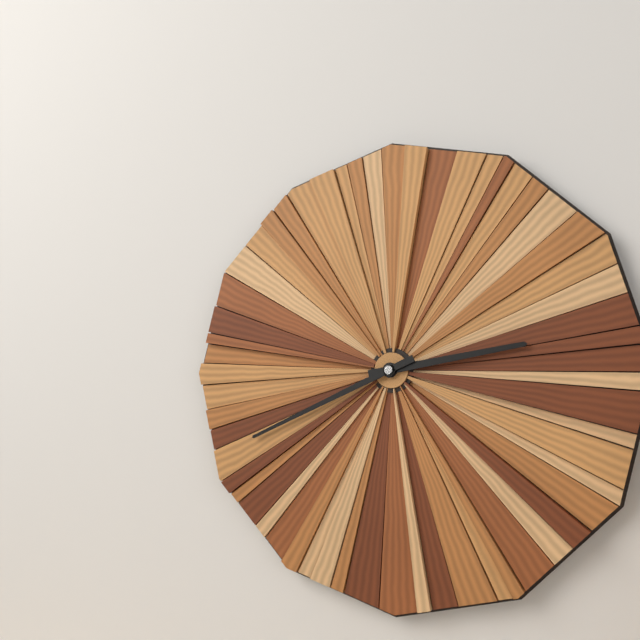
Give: 2h41
